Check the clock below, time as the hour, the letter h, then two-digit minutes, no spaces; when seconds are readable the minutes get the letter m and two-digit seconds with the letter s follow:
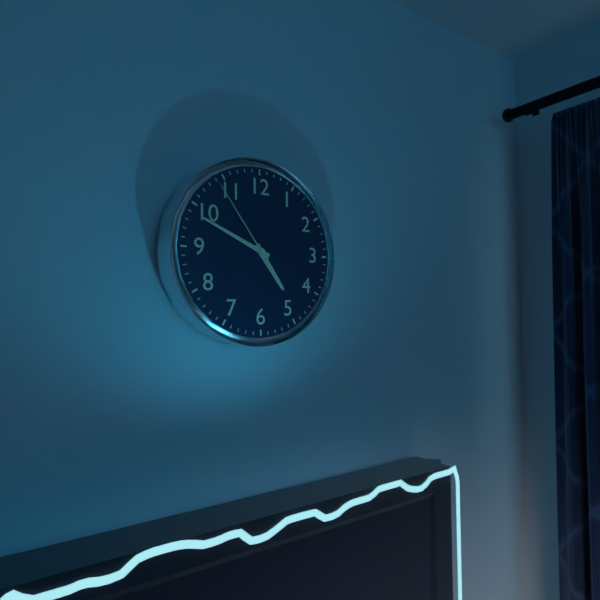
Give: 4h49m54s
